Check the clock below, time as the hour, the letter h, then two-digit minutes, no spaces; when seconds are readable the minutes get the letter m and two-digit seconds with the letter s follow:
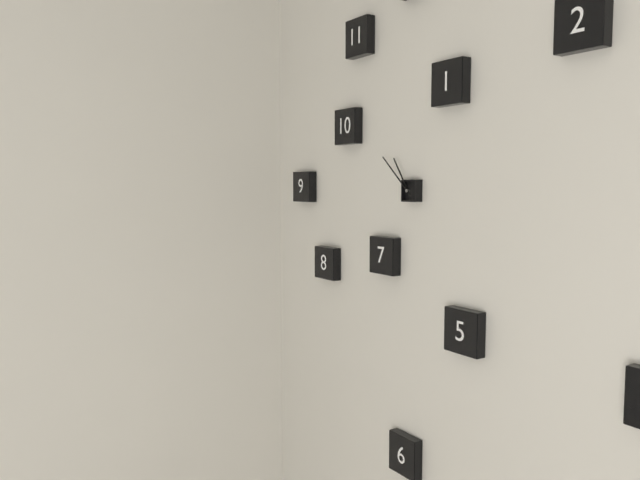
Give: 10h52
